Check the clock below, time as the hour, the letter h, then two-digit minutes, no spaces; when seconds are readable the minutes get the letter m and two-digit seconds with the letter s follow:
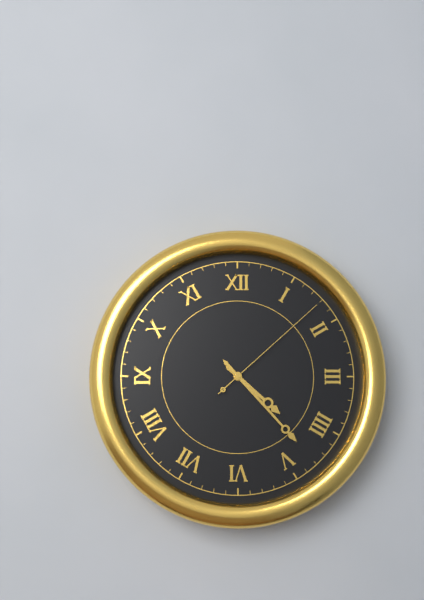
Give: 4h23m08s
